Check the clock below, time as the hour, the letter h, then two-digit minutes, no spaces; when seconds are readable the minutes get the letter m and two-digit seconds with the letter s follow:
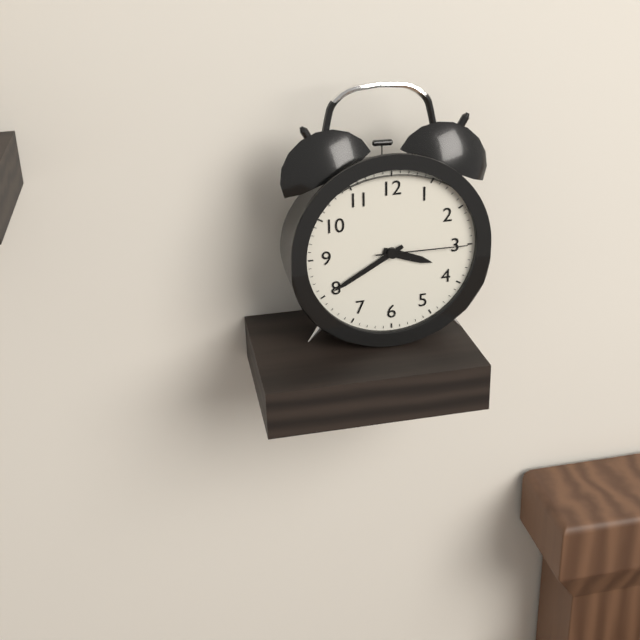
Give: 3h40m15s
